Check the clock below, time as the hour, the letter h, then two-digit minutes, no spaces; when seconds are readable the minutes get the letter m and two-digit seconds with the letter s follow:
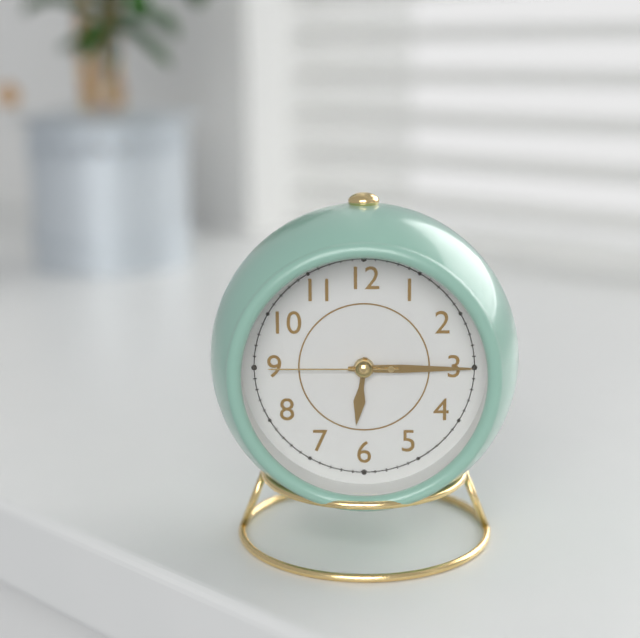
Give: 6h15m45s
